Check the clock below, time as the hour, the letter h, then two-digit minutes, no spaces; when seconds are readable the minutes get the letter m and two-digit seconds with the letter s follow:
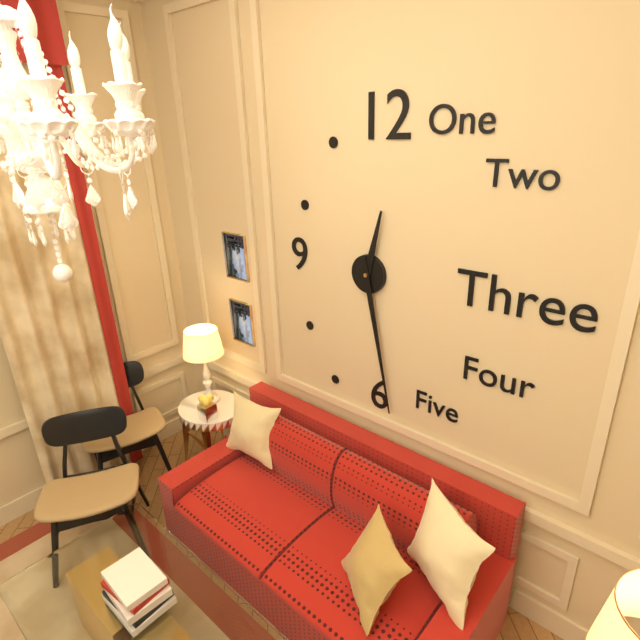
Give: 12h28
